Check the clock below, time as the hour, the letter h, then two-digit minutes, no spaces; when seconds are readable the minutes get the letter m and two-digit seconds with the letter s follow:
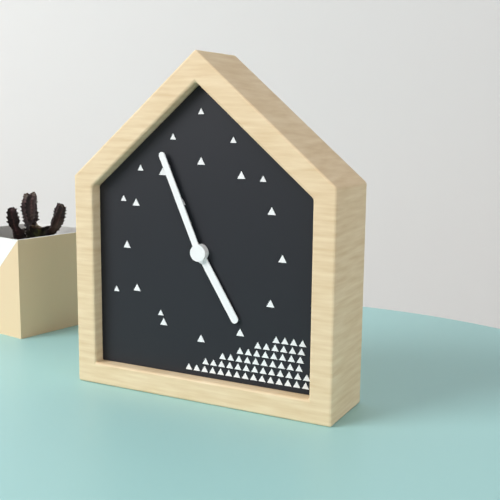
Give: 4h56
